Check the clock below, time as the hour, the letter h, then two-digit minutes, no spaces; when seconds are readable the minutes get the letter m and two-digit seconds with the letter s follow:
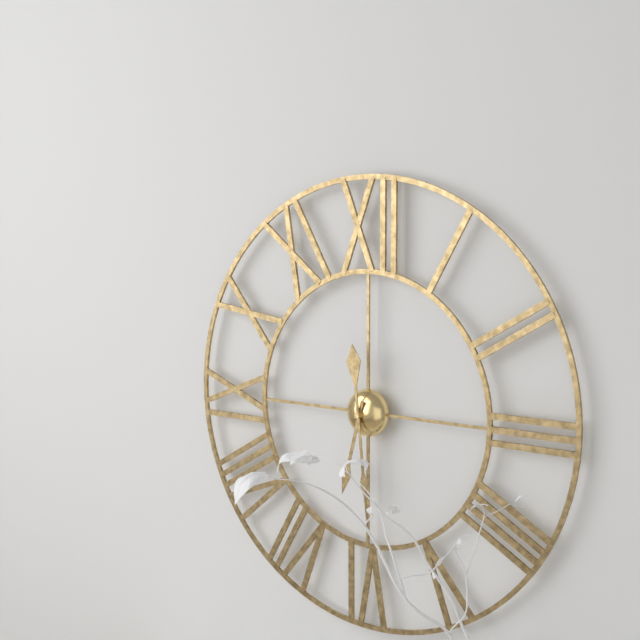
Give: 6h29
